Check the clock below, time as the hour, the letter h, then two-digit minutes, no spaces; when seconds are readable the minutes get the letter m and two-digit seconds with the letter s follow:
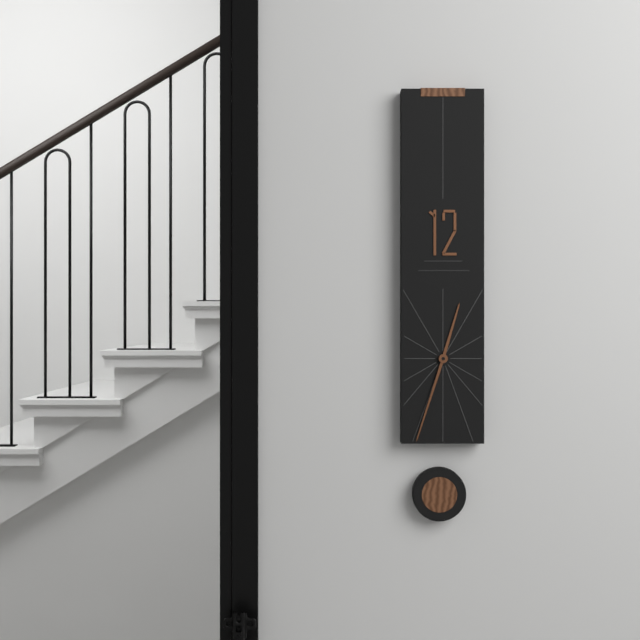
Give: 12h33
